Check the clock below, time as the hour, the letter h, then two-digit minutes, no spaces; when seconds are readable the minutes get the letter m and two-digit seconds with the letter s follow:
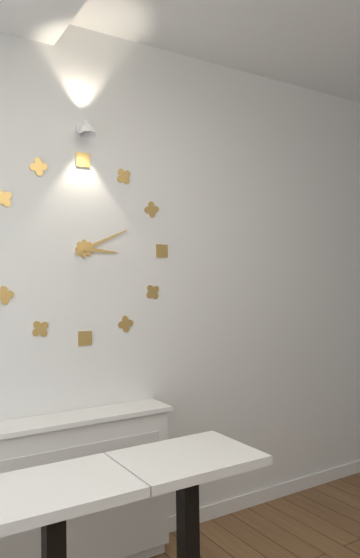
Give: 3h11
